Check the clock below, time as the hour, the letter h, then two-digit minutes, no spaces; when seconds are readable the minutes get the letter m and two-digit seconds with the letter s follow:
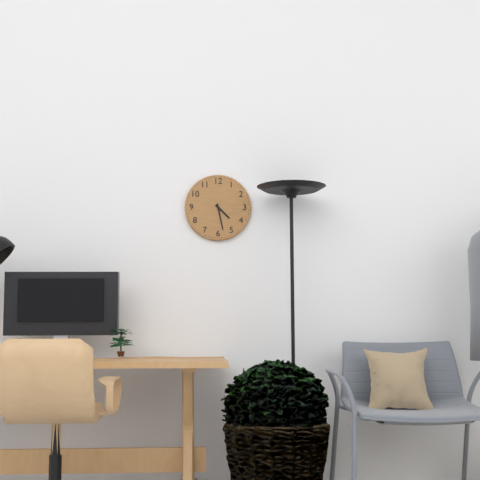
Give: 4h28
